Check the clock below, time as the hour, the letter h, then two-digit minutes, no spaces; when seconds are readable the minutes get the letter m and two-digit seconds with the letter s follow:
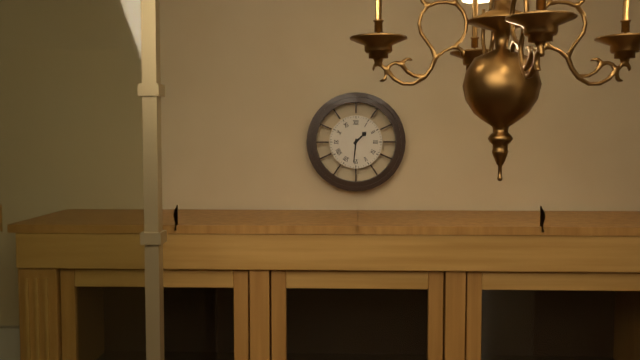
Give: 1h31
